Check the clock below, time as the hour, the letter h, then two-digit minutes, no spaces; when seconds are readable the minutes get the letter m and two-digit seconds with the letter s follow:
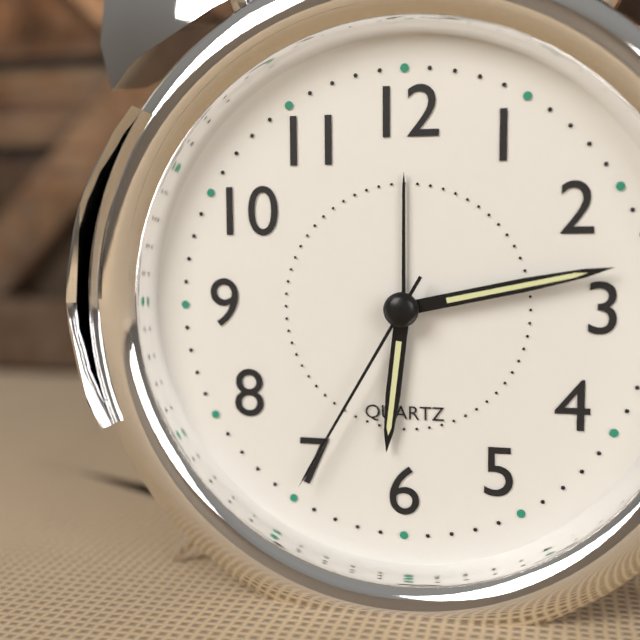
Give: 6h13m35s
